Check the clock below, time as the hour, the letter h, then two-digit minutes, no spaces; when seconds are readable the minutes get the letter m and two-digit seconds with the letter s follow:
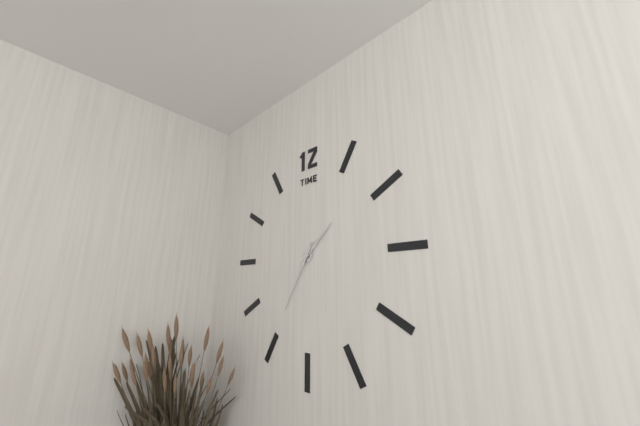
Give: 1h35
